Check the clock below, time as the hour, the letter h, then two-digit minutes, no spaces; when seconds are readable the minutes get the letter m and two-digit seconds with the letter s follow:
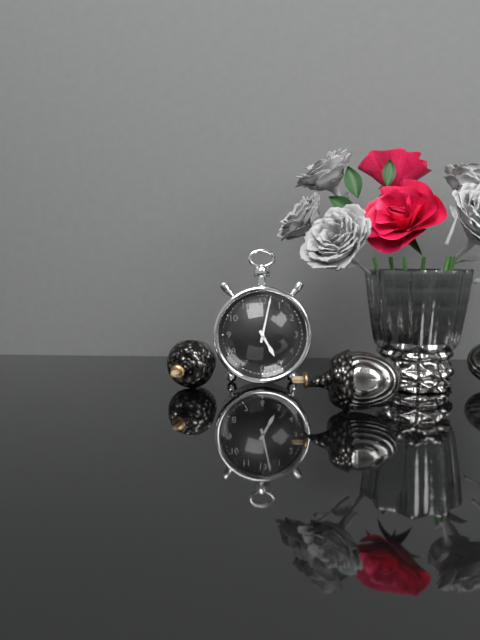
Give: 5h02
